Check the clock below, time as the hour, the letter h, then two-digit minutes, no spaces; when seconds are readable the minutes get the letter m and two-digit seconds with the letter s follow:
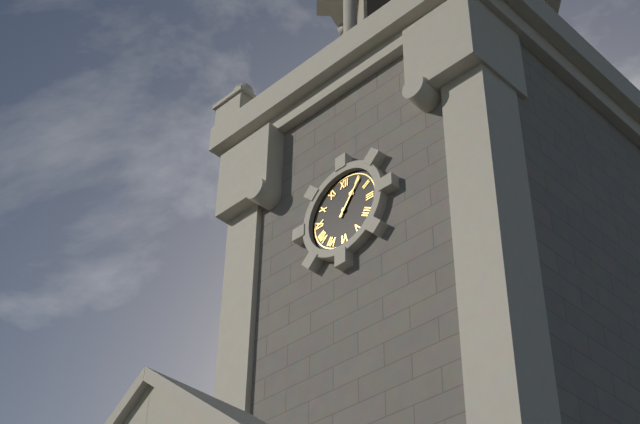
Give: 1h06
